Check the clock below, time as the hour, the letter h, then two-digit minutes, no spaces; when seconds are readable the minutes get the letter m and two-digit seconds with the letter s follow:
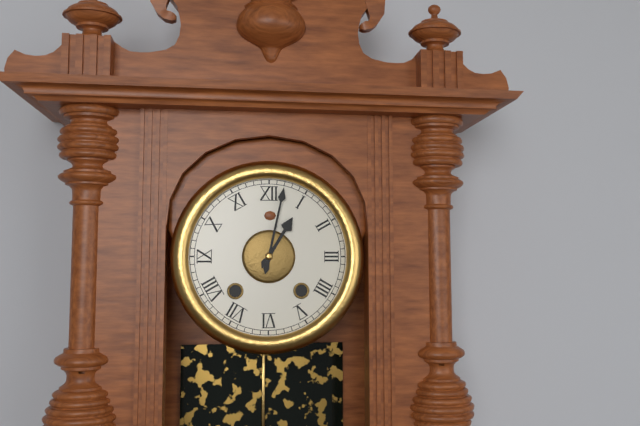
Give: 1h02
